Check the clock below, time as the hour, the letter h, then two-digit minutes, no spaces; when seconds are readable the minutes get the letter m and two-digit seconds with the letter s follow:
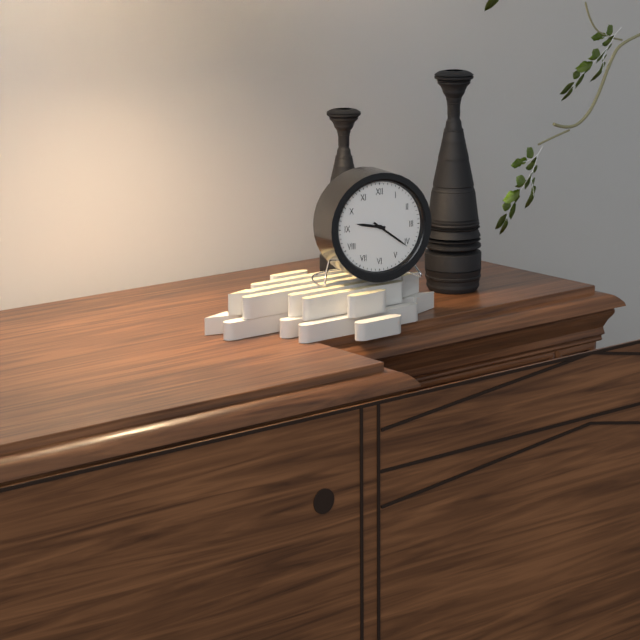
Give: 9h21
